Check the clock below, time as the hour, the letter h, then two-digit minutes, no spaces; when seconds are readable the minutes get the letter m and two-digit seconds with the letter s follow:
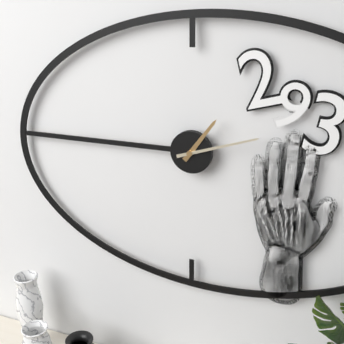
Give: 1h12
